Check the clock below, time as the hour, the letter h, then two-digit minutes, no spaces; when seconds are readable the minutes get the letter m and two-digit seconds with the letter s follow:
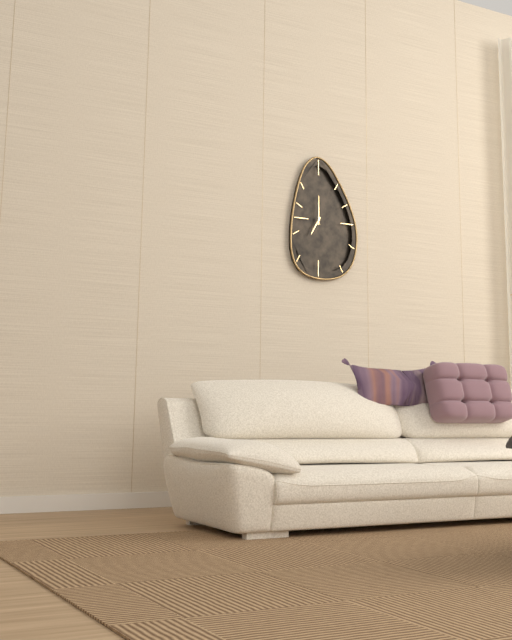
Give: 7h00
